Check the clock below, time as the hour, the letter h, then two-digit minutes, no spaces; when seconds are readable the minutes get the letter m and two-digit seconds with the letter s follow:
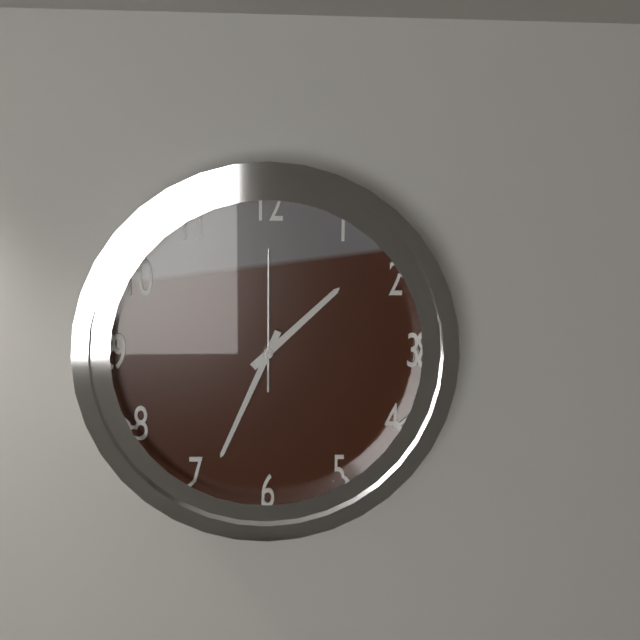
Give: 1h34m00s
